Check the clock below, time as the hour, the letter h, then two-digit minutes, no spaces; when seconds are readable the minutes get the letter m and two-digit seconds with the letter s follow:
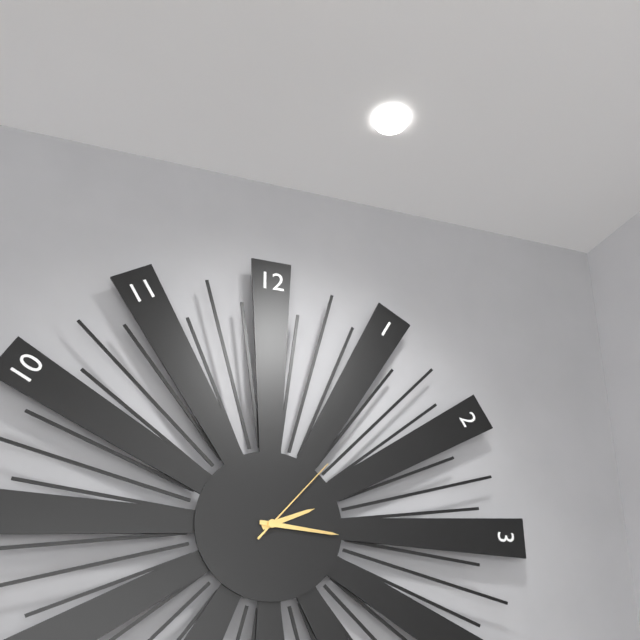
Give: 2h16m07s
